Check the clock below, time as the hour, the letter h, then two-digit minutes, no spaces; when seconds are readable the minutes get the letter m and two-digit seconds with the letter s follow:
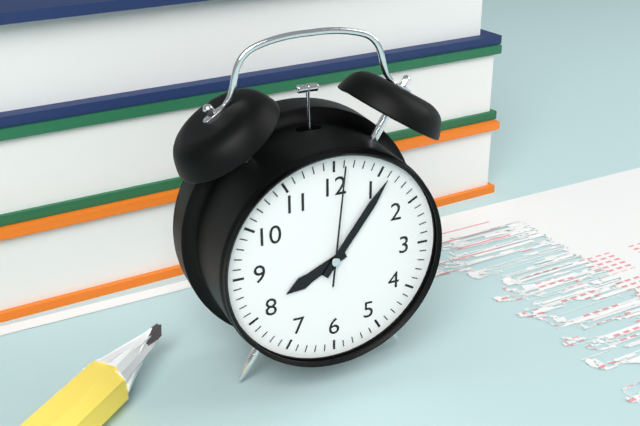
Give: 8h06m01s
